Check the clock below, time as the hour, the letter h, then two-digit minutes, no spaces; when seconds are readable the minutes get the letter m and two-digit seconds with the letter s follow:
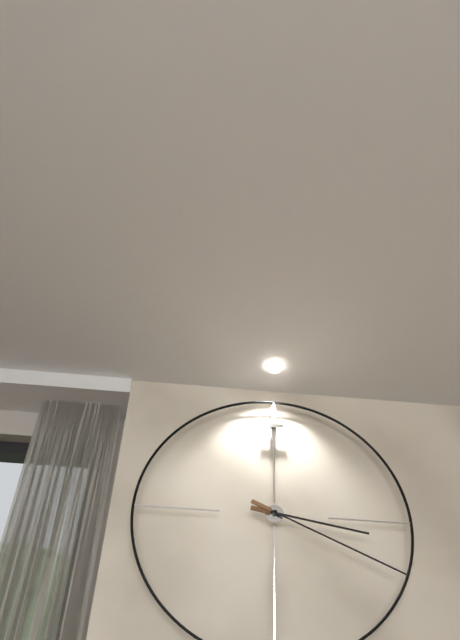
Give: 3h19
